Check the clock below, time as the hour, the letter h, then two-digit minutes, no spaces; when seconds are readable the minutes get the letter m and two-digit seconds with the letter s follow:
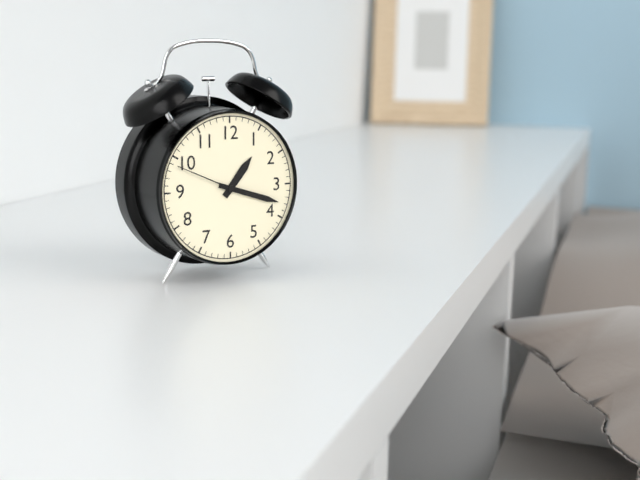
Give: 1h18m49s
